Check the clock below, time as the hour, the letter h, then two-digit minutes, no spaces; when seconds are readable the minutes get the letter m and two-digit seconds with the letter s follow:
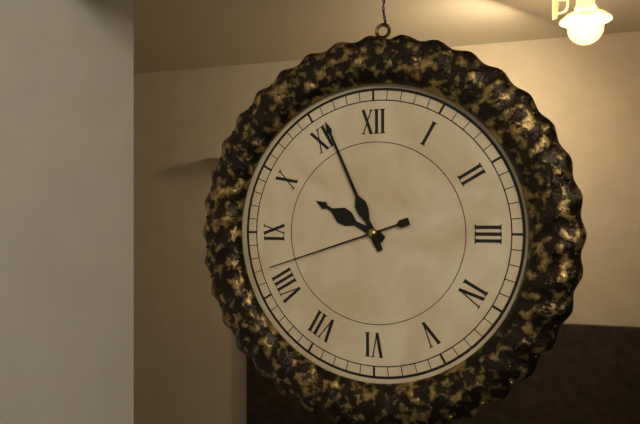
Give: 9h56m42s
